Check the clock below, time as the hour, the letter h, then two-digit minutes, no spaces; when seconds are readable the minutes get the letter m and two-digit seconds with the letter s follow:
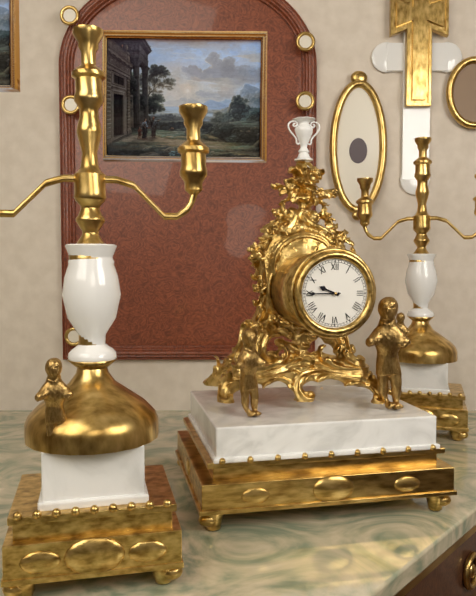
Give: 9h45
